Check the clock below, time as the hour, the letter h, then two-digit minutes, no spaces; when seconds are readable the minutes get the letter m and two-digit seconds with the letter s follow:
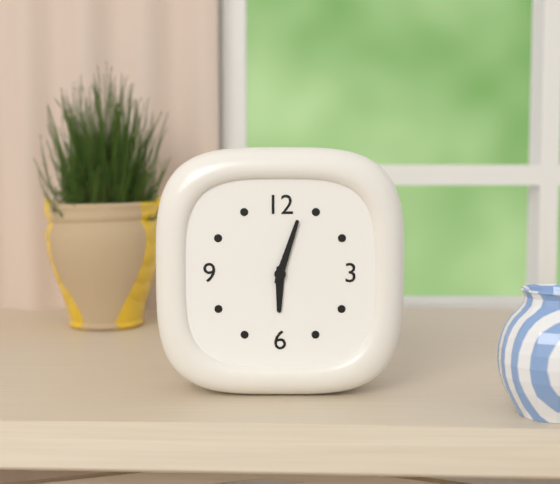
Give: 6h03
